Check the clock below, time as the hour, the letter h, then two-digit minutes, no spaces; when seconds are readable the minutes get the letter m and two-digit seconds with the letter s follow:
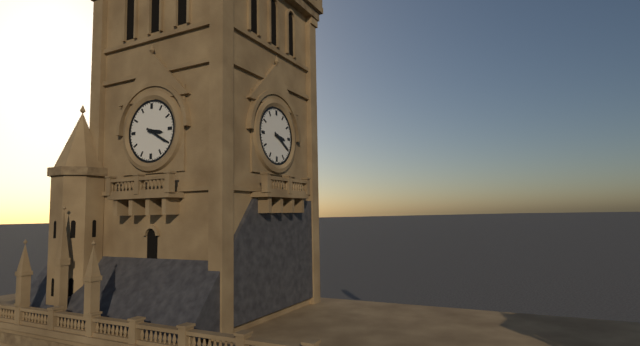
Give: 3h20
